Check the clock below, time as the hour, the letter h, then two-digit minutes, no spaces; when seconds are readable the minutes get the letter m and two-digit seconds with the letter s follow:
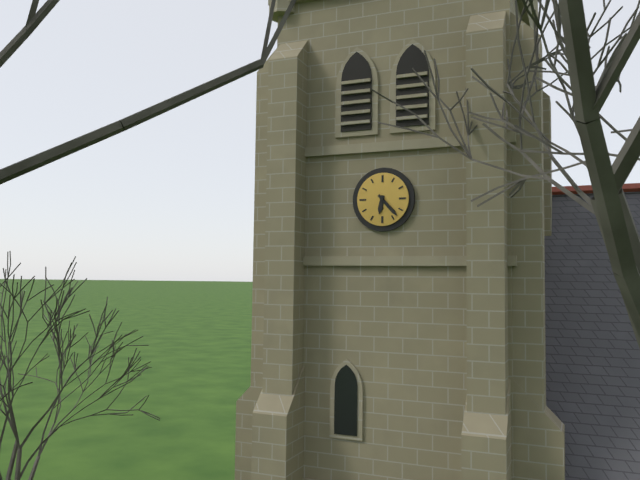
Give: 6h23
